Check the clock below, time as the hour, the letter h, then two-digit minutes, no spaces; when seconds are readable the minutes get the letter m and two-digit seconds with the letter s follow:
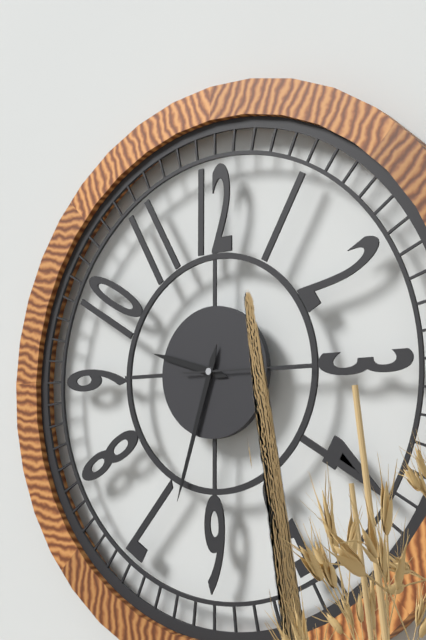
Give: 9h33m15s
